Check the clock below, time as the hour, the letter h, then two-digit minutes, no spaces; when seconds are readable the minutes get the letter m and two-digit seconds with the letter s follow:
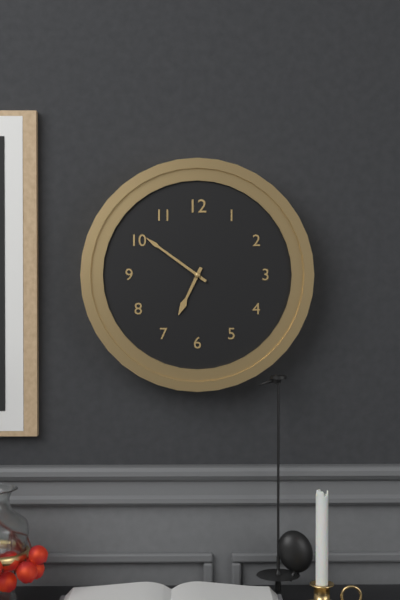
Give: 6h51
